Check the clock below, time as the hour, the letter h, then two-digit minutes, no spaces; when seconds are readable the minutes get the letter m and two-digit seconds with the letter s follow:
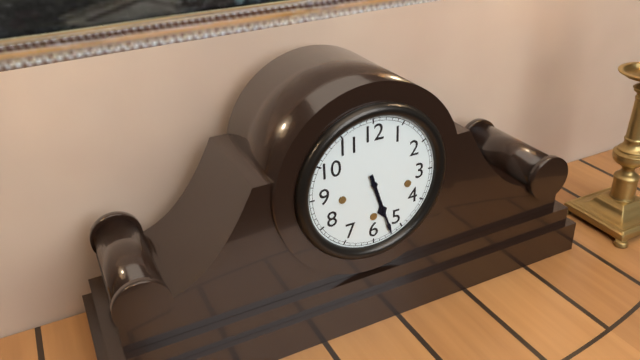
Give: 5h27
